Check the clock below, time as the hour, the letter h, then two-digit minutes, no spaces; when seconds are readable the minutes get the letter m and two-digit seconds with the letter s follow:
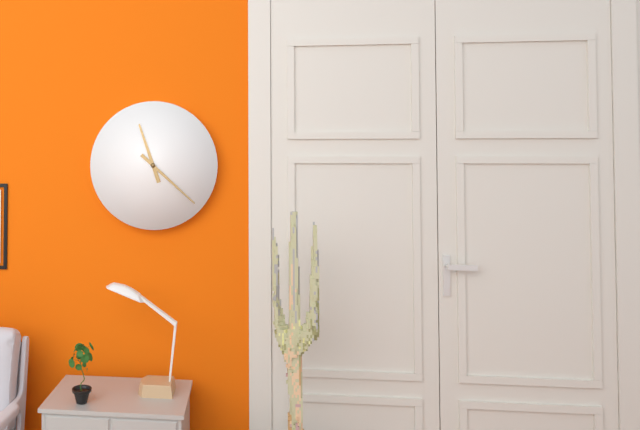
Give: 11h22
